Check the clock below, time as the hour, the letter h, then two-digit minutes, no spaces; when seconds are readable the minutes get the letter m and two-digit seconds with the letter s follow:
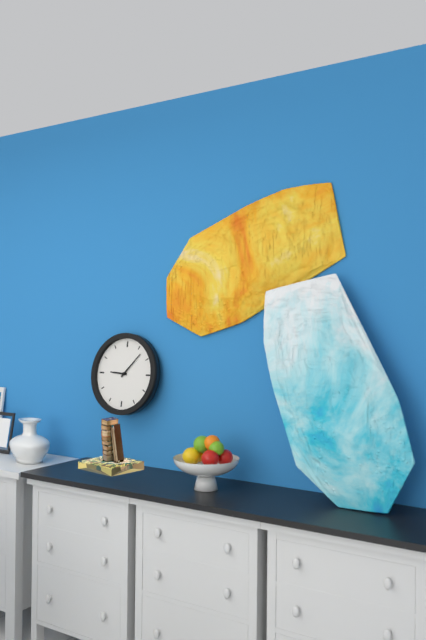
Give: 9h07
